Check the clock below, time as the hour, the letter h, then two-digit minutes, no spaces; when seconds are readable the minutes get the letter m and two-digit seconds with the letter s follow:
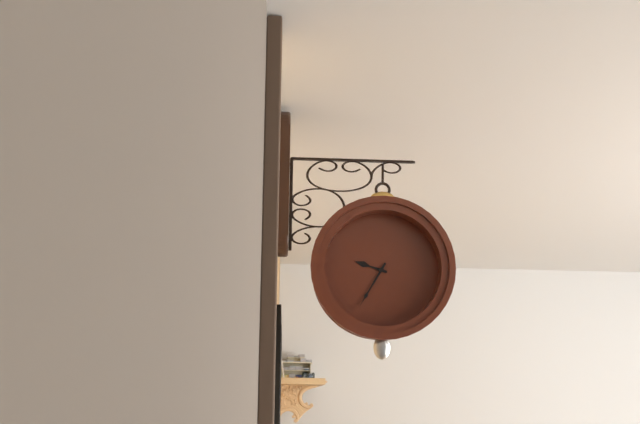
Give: 9h35
